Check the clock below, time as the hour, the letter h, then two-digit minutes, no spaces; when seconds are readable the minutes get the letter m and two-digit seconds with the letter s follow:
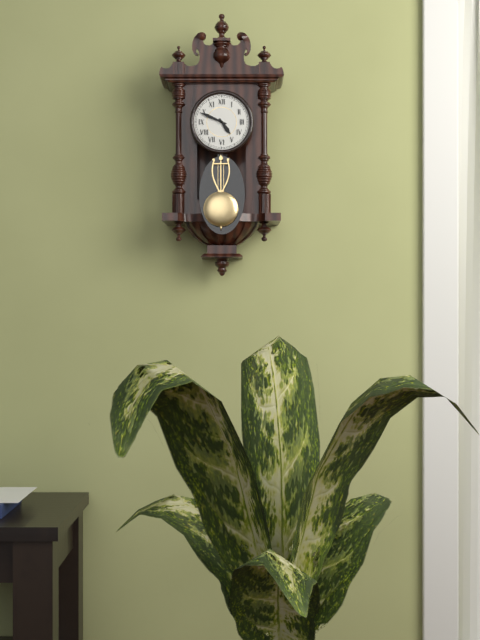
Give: 4h49
